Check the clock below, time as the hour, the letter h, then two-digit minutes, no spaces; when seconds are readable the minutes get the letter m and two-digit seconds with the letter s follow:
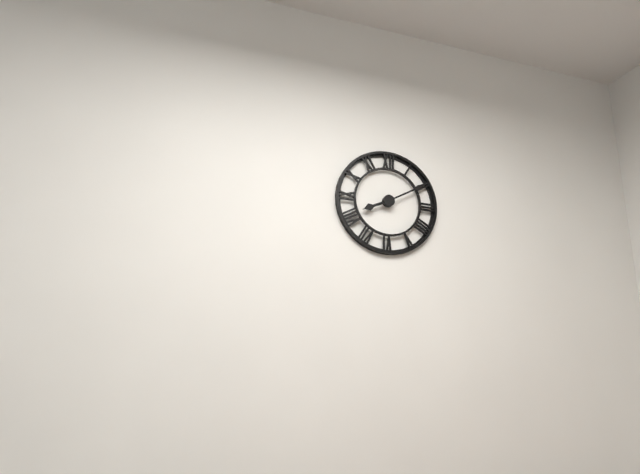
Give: 8h10
